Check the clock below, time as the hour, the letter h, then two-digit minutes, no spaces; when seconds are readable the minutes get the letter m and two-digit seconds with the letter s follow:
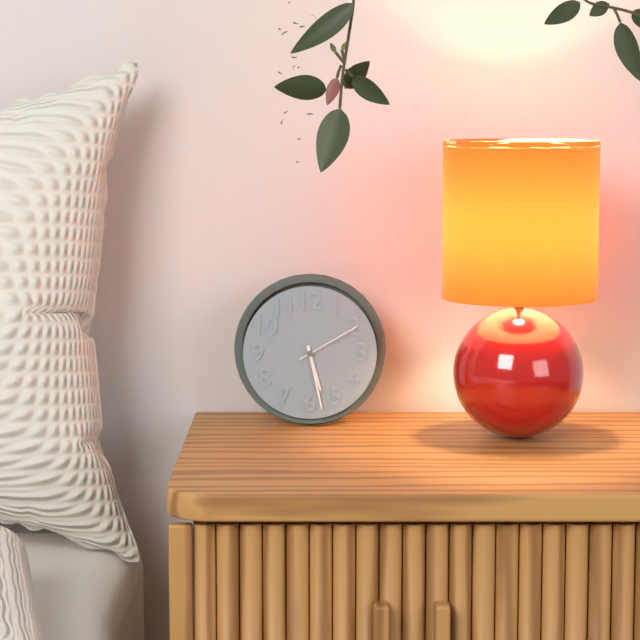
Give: 5h28m10s
